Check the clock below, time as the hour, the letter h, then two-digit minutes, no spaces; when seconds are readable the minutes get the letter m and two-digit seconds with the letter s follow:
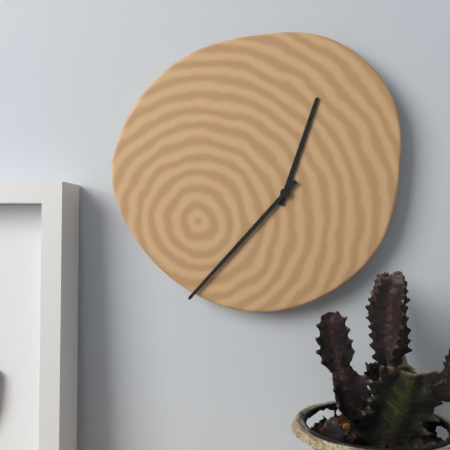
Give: 12h37
